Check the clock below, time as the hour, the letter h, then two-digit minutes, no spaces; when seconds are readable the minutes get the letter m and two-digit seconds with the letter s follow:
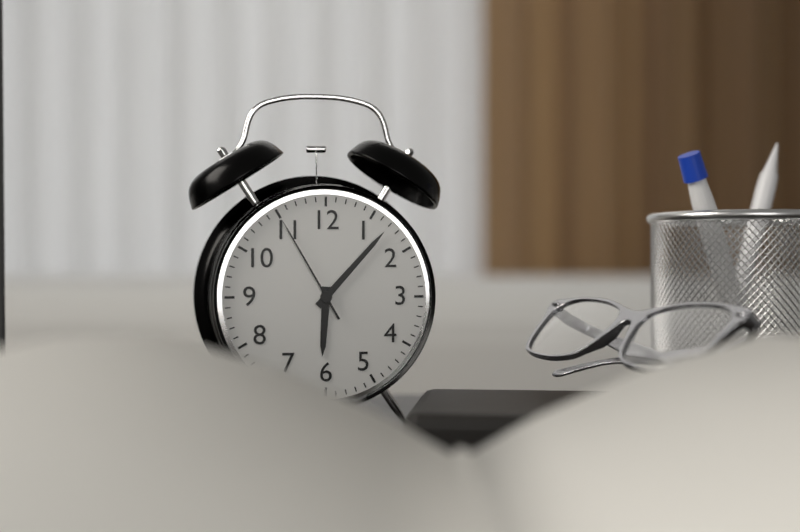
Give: 6h07m55s
